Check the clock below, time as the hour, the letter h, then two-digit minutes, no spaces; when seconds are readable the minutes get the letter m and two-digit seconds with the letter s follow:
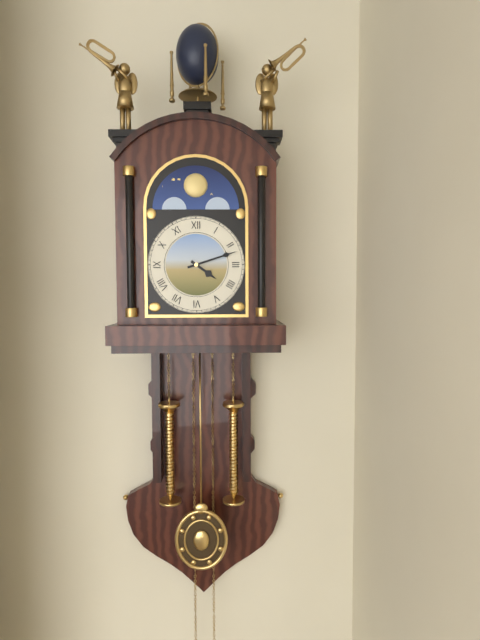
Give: 4h12
